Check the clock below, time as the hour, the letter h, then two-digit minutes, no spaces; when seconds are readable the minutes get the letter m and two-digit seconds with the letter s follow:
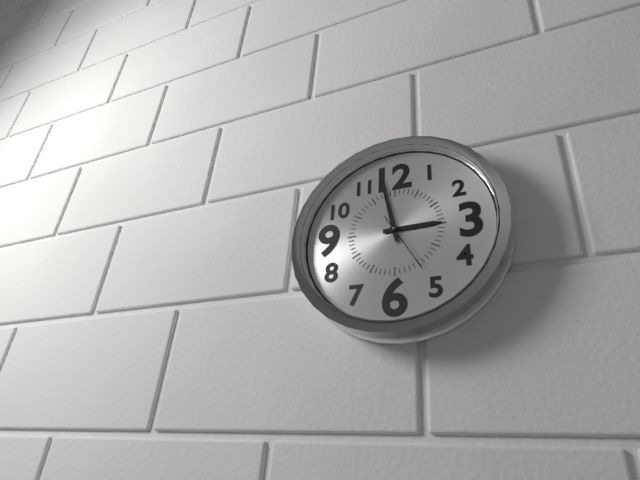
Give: 2h58m25s
